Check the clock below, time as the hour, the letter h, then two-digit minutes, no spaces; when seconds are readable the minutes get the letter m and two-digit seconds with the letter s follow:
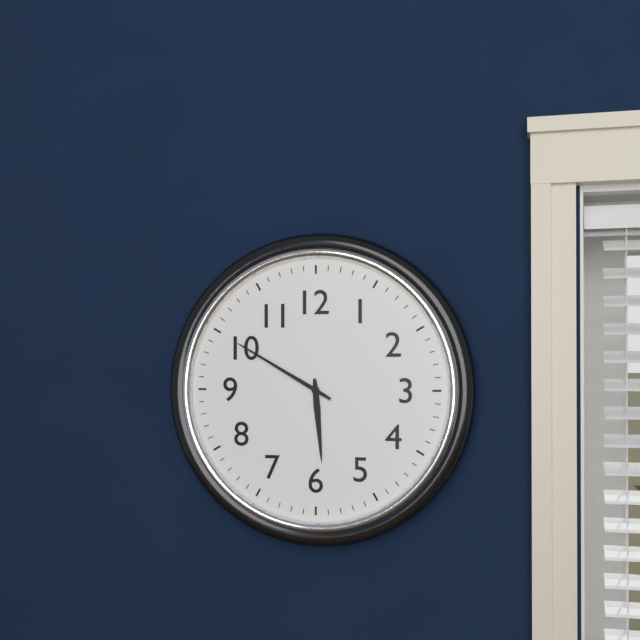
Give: 5h50
